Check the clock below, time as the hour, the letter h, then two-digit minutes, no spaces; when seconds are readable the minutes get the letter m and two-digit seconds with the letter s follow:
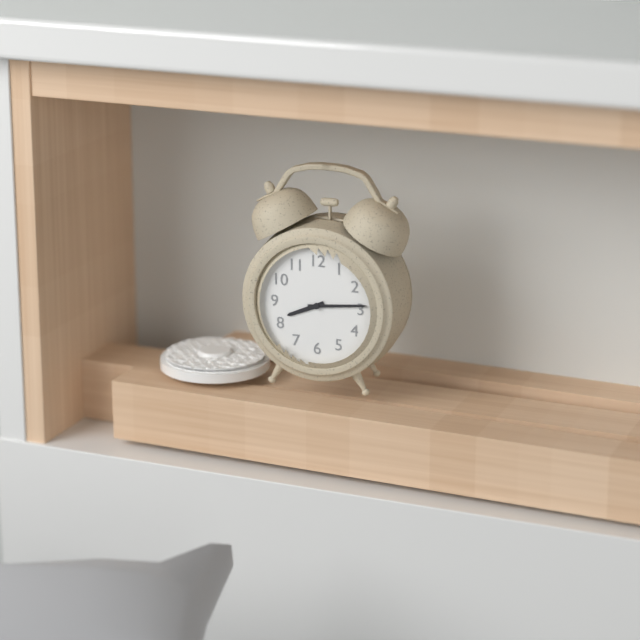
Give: 8h14
